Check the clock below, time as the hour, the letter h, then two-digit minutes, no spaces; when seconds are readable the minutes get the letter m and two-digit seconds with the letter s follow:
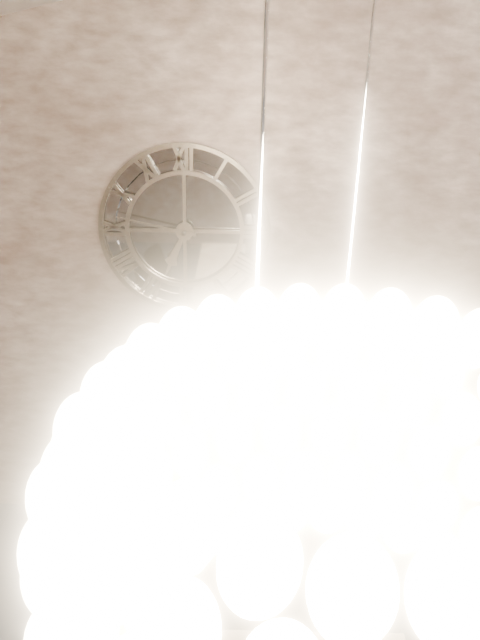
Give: 6h47
